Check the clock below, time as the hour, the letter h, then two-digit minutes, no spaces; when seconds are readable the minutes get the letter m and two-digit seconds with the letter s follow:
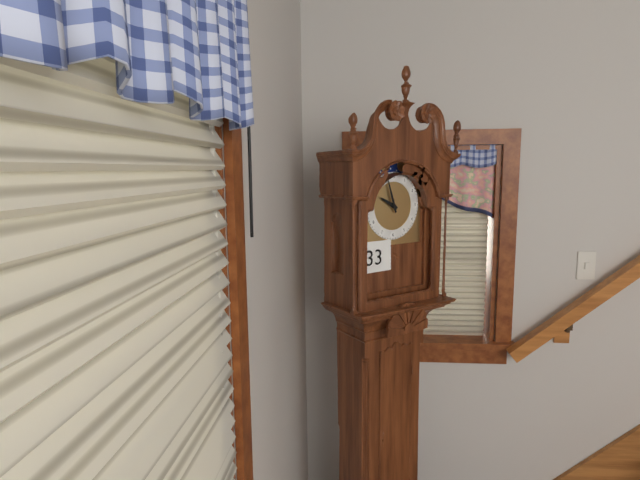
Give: 9h57
